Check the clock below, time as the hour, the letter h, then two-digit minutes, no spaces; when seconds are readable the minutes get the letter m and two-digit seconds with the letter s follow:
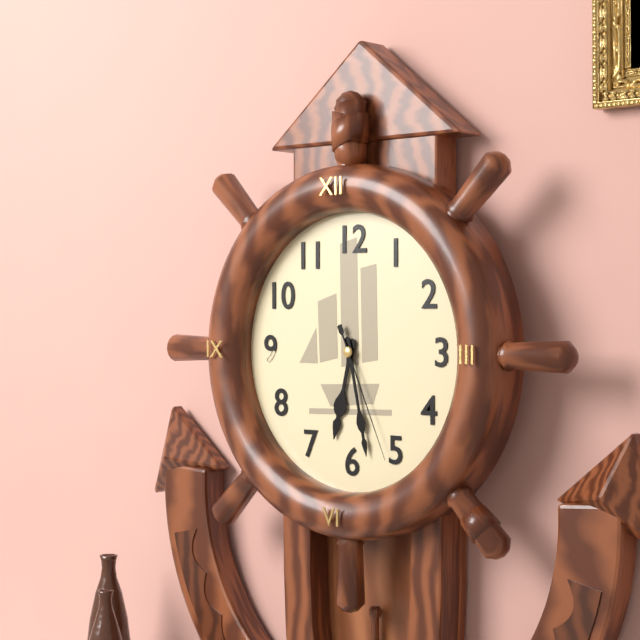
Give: 6h28m26s
